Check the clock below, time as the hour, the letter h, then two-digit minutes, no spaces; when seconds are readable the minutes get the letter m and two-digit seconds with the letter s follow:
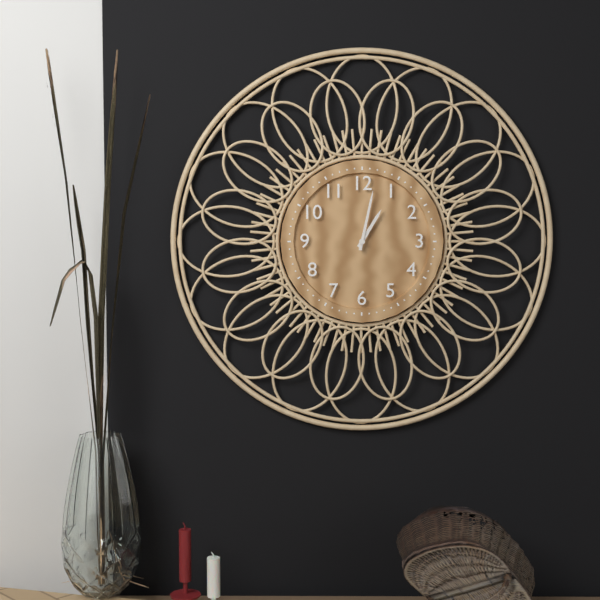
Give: 1h02
